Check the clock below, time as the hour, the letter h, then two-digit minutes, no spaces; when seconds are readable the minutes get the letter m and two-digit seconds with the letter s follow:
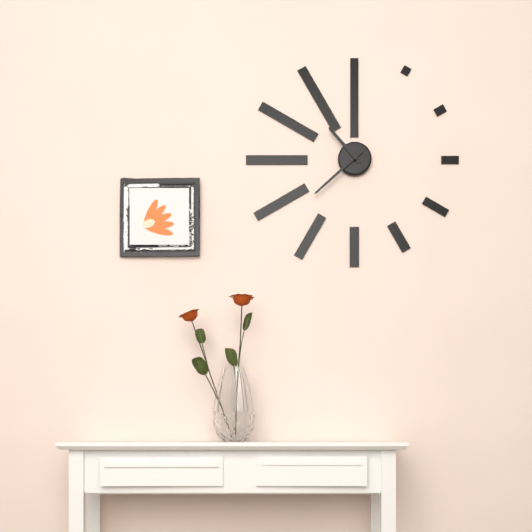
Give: 10h38
